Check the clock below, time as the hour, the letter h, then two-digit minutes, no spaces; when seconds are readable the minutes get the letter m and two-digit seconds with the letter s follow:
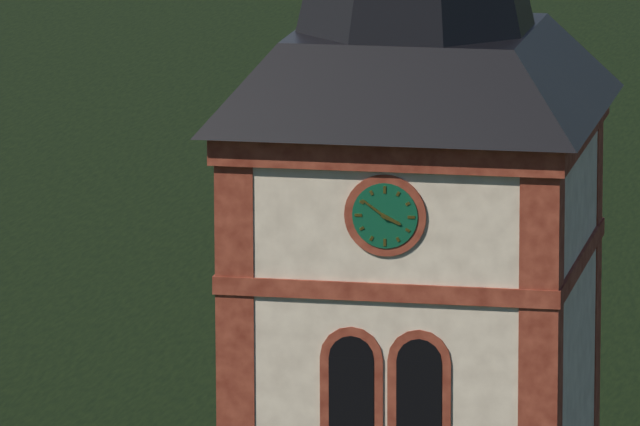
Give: 3h51
